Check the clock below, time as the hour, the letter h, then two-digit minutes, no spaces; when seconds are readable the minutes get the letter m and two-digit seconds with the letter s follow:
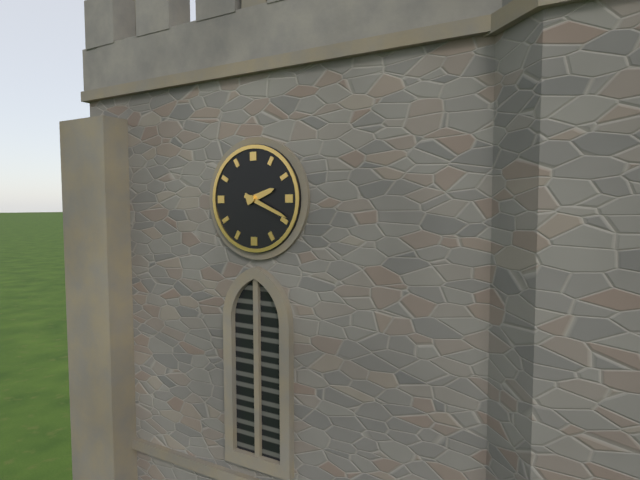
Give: 2h19
